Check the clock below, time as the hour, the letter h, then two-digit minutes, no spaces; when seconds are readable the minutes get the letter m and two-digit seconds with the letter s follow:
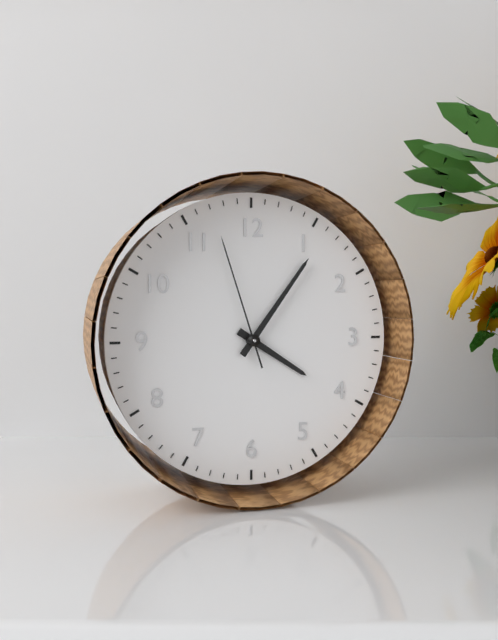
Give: 4h06m57s
